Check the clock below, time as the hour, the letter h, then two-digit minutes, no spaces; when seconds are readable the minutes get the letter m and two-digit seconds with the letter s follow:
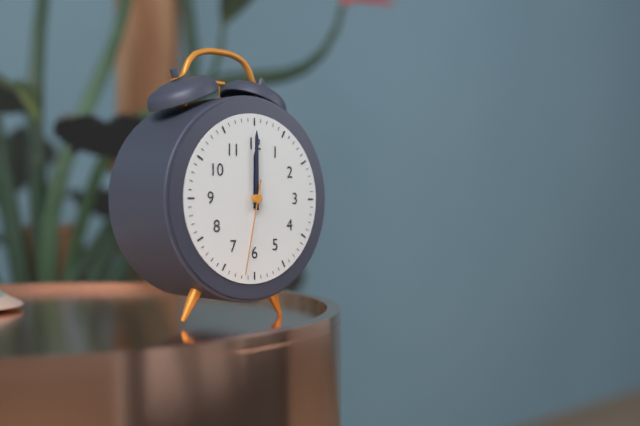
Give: 12h00m32s
